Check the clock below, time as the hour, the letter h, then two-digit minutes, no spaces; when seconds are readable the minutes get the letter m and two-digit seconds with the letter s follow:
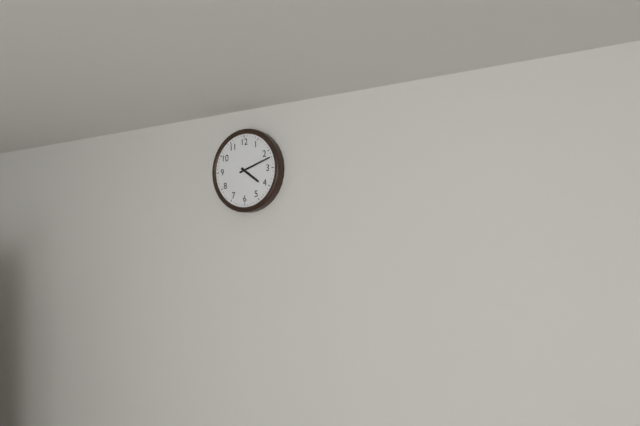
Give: 4h12
